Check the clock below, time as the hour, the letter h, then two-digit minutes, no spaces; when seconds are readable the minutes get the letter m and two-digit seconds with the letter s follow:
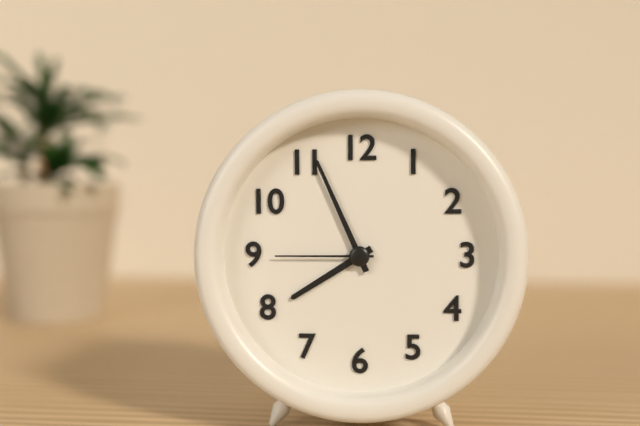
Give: 7h56m45s
